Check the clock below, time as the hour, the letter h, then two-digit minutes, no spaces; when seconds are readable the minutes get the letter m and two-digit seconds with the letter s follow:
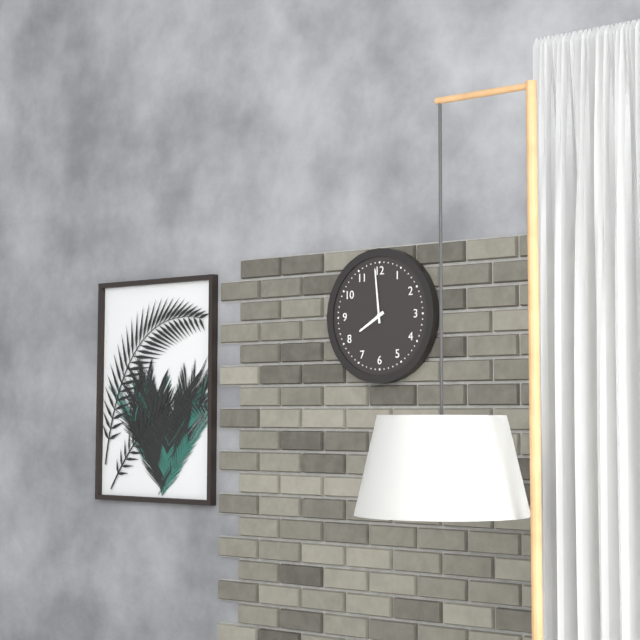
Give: 7h59
